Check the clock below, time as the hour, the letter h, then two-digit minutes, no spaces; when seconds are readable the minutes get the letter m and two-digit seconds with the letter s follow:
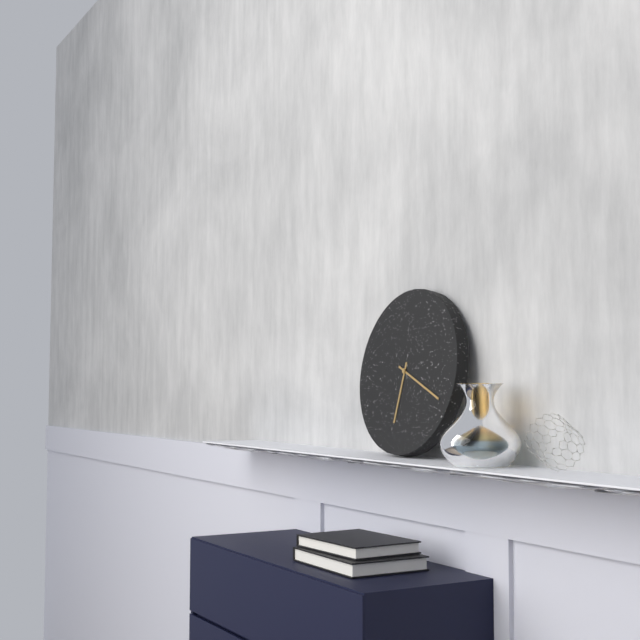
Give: 6h19
